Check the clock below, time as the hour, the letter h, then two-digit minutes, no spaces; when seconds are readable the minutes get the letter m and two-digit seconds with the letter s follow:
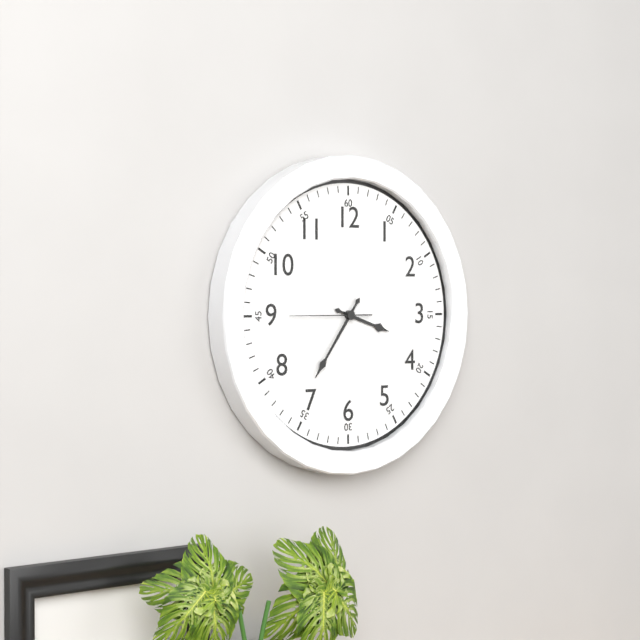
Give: 3h36m45s
